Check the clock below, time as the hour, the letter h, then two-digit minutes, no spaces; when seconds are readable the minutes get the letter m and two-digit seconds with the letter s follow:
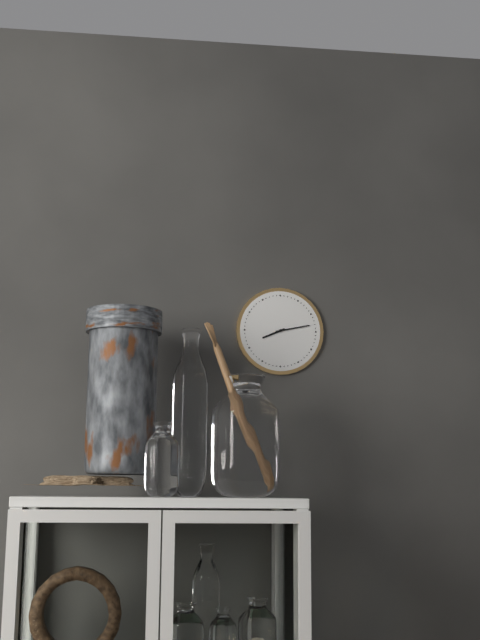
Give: 8h13
